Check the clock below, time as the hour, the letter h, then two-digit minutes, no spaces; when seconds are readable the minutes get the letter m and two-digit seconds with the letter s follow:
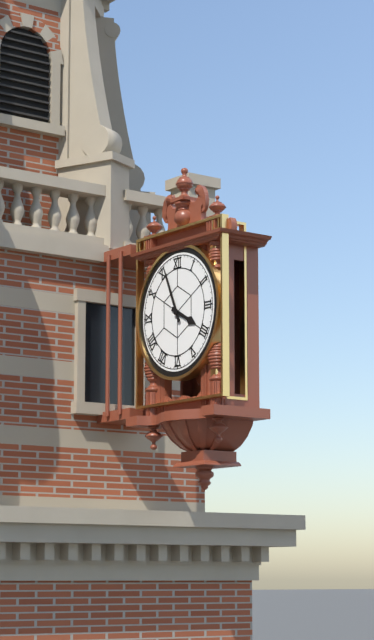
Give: 3h56
